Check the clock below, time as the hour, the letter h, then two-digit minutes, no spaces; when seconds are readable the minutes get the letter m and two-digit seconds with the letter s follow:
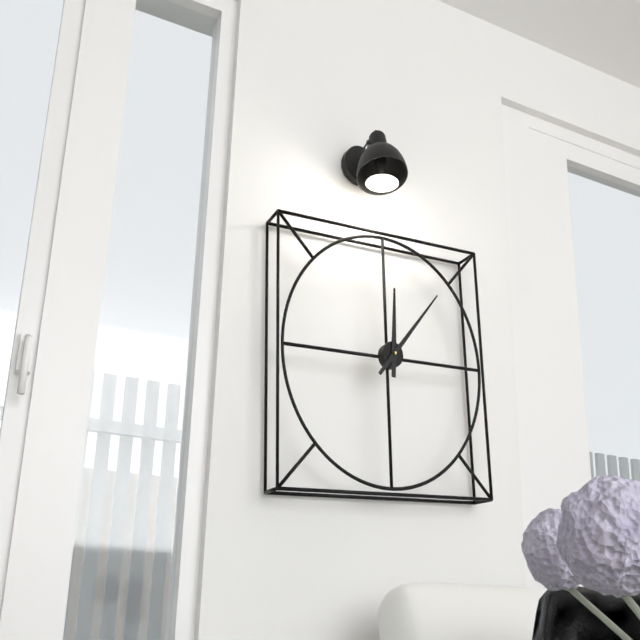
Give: 12h07
